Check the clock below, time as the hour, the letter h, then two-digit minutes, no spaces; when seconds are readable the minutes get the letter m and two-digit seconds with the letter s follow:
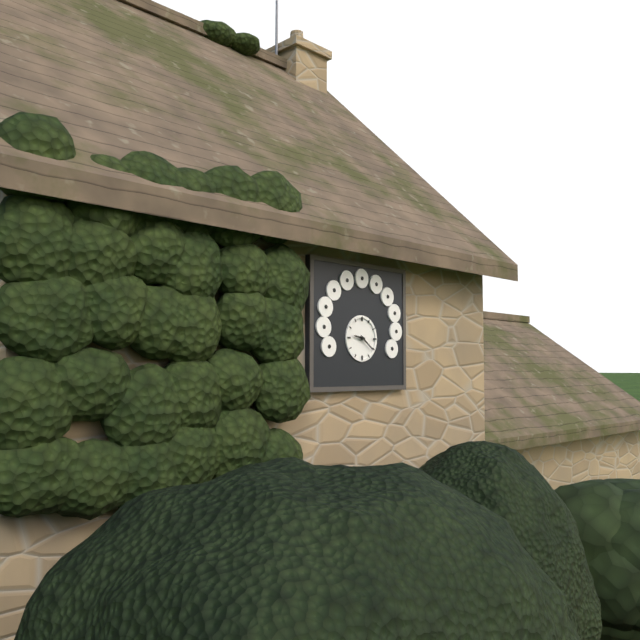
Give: 9h21
